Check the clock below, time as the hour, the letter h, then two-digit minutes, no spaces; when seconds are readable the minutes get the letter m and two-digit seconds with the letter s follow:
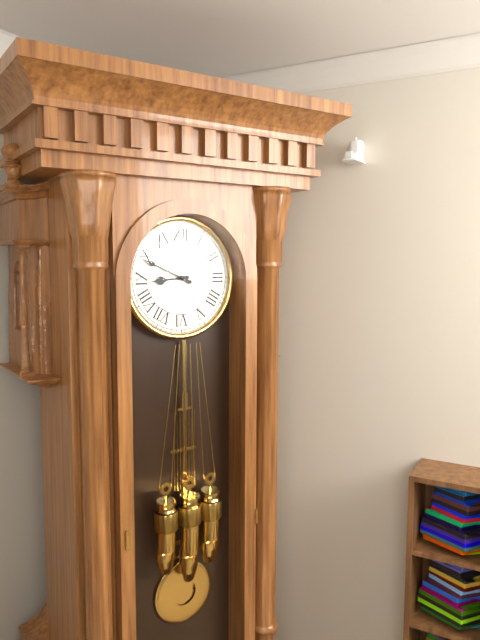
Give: 8h49
